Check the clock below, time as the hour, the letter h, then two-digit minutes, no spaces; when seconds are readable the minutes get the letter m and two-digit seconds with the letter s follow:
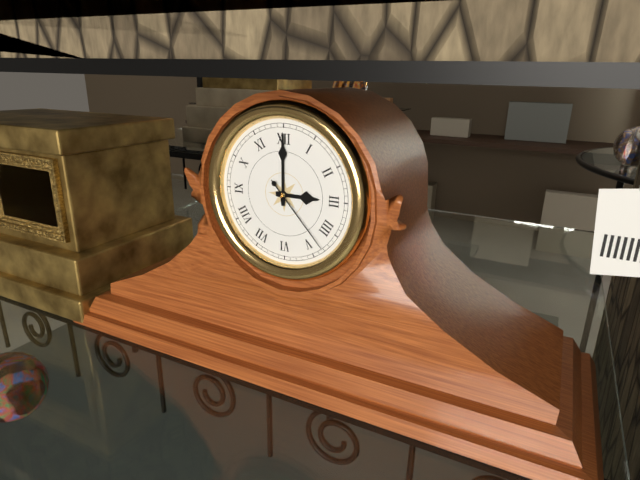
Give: 3h00m23s
